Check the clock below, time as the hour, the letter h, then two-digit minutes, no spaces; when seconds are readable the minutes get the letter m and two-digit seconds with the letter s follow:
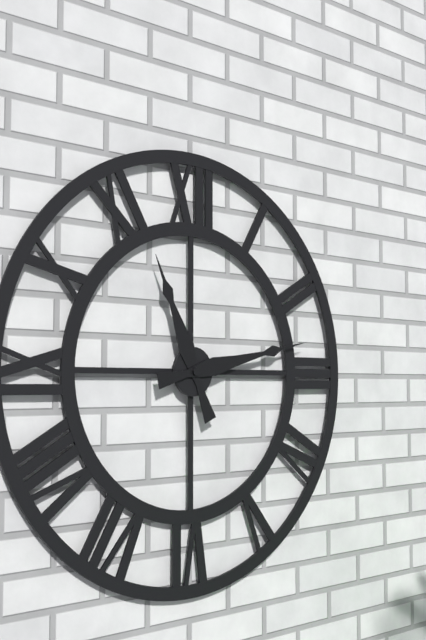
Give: 11h13
